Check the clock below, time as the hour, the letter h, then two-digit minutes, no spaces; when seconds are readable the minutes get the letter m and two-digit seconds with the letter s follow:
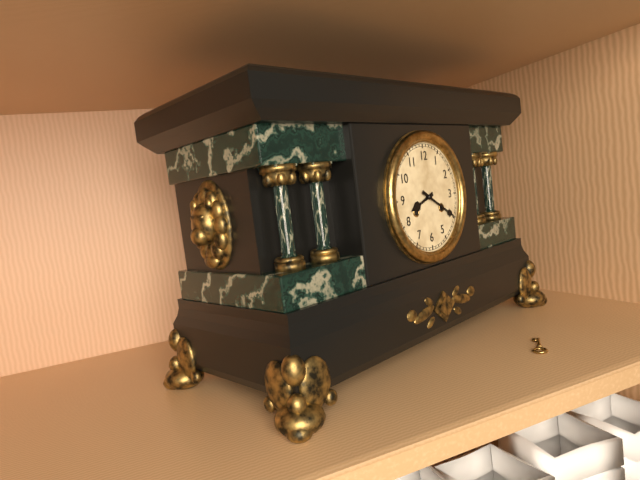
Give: 8h20
